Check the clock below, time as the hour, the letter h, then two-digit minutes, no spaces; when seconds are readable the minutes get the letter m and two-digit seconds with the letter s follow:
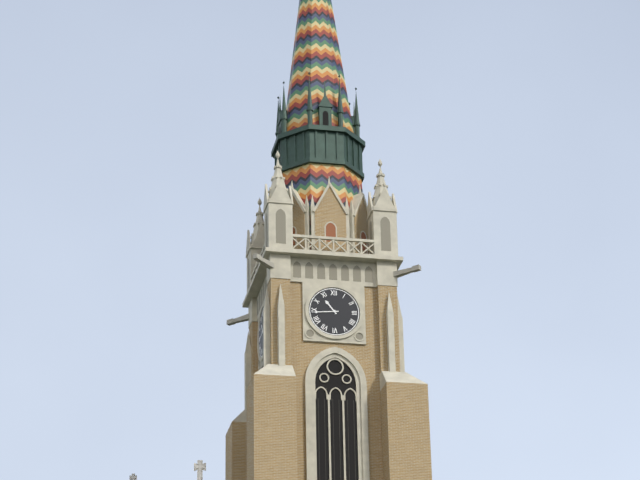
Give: 10h44
